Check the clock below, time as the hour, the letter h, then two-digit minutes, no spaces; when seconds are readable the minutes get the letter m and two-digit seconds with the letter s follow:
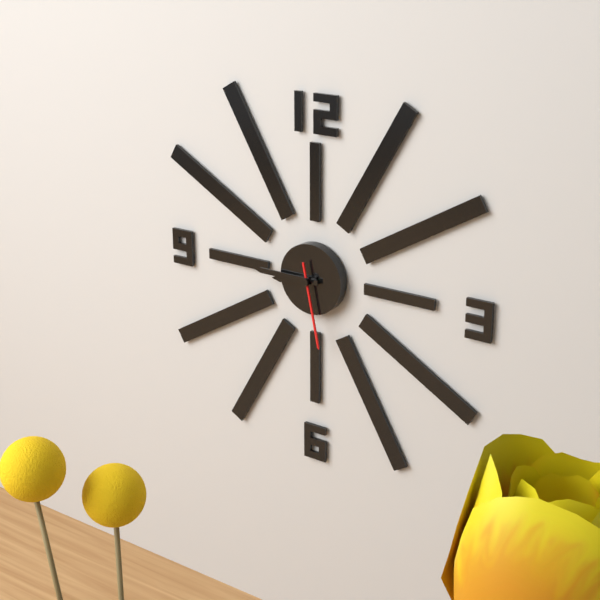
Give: 8h45m28s
